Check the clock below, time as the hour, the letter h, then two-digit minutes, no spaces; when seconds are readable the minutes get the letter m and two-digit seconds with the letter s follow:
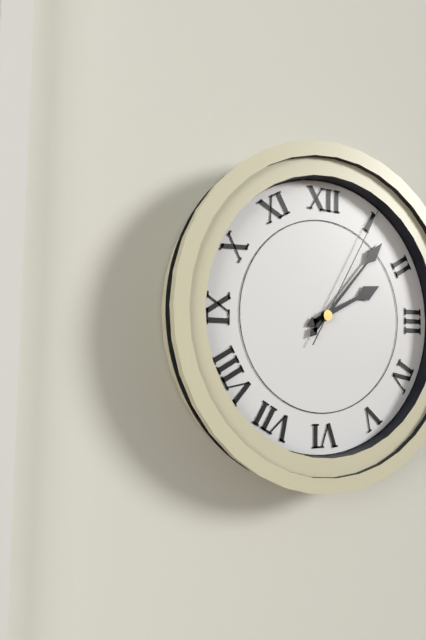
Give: 2h07m05s
